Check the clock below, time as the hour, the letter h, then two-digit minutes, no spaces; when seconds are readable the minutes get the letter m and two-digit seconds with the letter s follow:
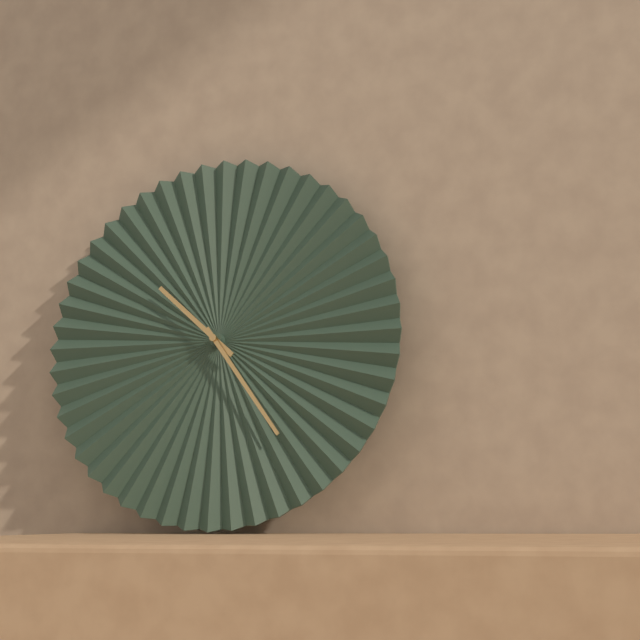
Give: 10h24
